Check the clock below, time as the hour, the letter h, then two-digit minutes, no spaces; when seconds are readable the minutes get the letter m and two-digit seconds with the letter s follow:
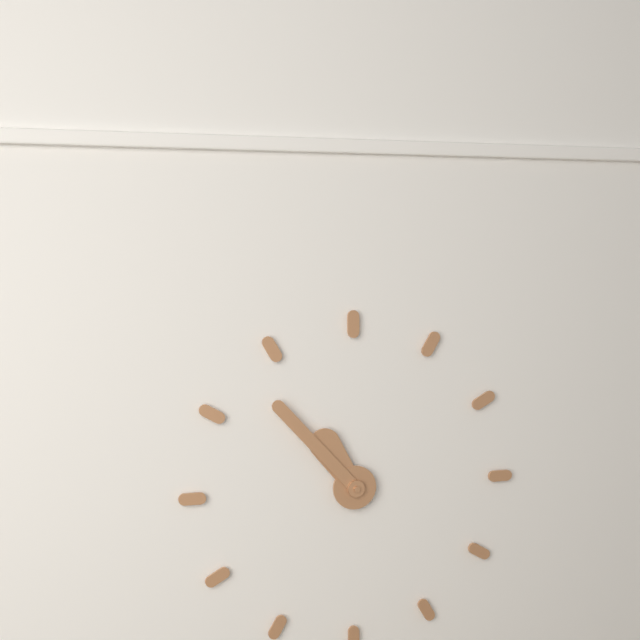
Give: 10h53
